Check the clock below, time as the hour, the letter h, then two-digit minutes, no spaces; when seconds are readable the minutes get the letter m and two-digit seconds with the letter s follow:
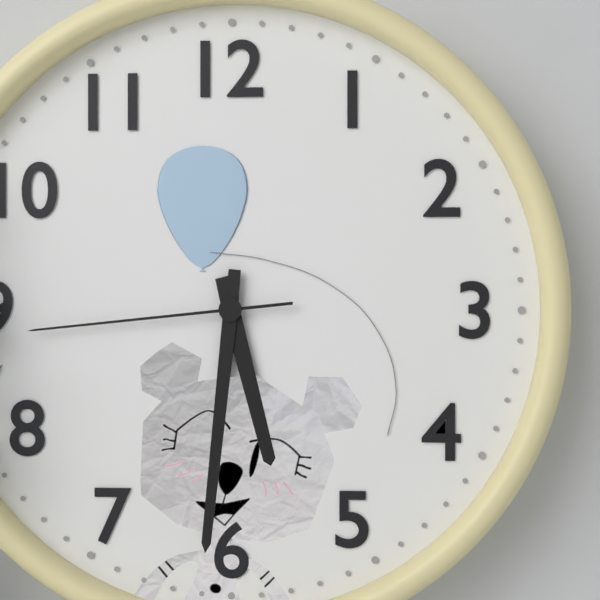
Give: 5h31m44s
